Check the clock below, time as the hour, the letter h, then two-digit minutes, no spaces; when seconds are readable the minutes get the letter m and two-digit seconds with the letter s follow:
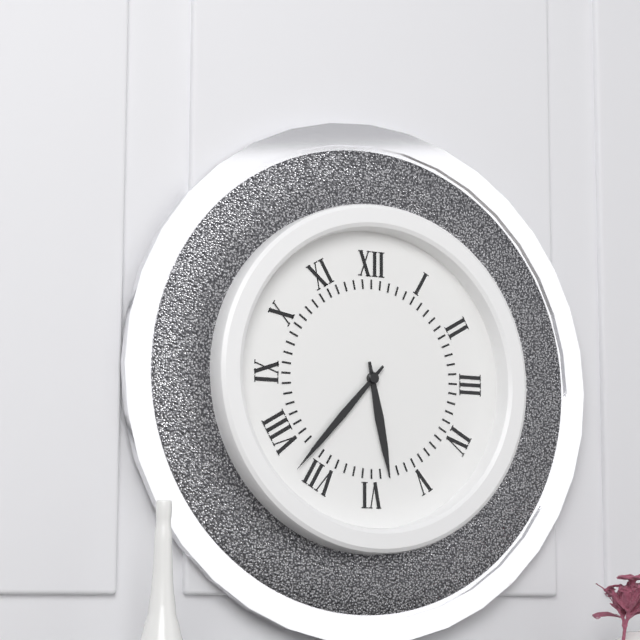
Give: 5h37
